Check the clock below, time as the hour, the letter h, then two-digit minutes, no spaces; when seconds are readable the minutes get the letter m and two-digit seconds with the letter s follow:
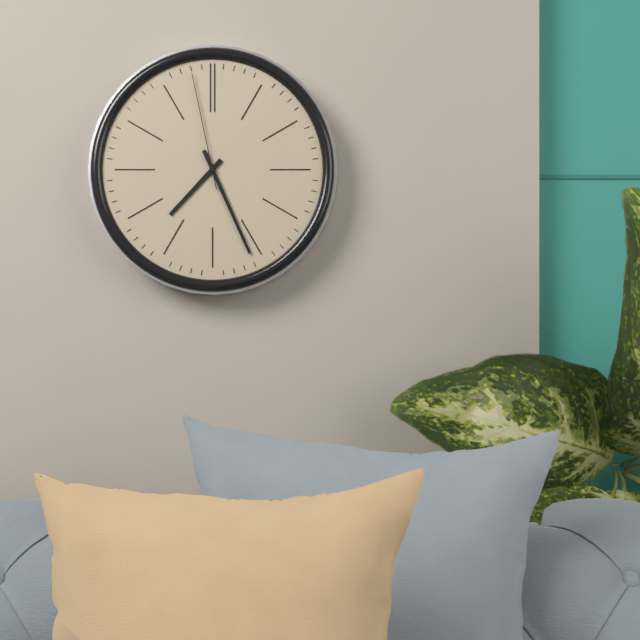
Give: 7h26m58s
